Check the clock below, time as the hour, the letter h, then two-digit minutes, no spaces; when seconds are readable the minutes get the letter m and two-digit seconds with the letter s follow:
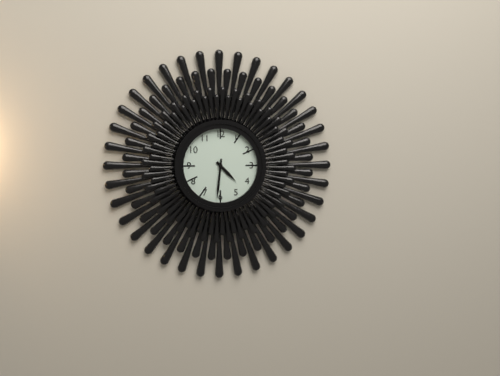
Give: 4h31
